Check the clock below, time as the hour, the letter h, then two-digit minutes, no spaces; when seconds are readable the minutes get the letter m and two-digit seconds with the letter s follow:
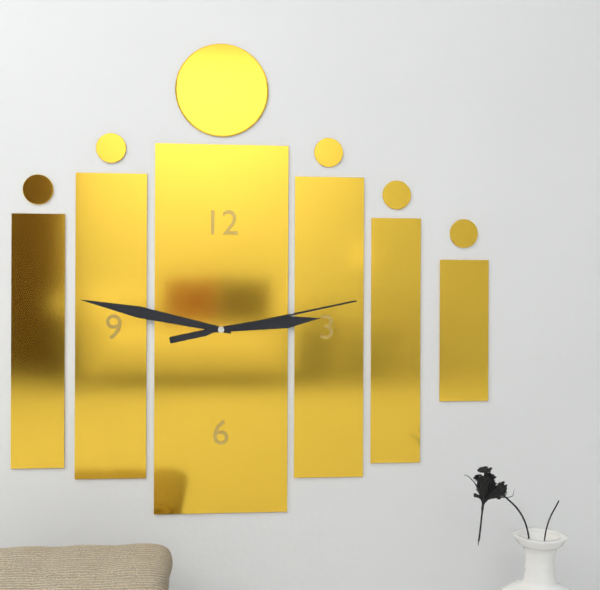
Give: 2h47m13s
